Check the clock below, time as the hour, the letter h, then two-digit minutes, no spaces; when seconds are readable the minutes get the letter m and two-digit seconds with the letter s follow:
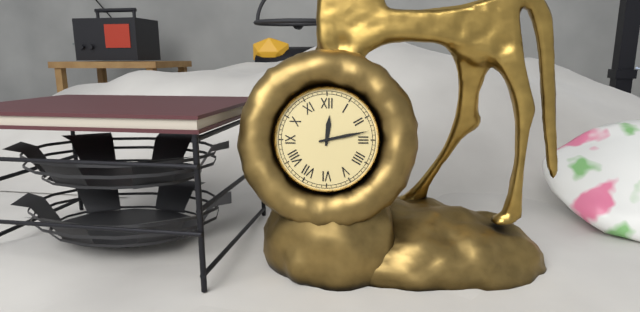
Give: 12h13
